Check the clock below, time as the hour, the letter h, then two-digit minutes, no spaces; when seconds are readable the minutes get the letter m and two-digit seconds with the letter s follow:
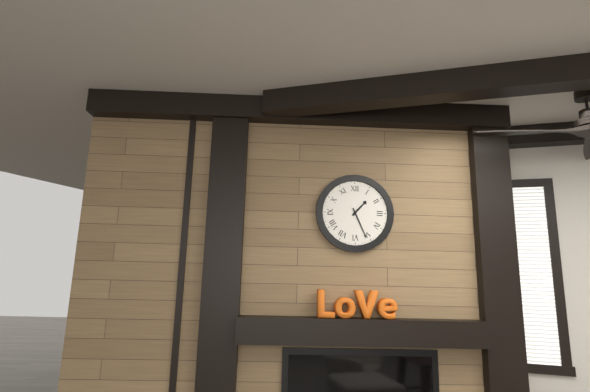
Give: 1h26
